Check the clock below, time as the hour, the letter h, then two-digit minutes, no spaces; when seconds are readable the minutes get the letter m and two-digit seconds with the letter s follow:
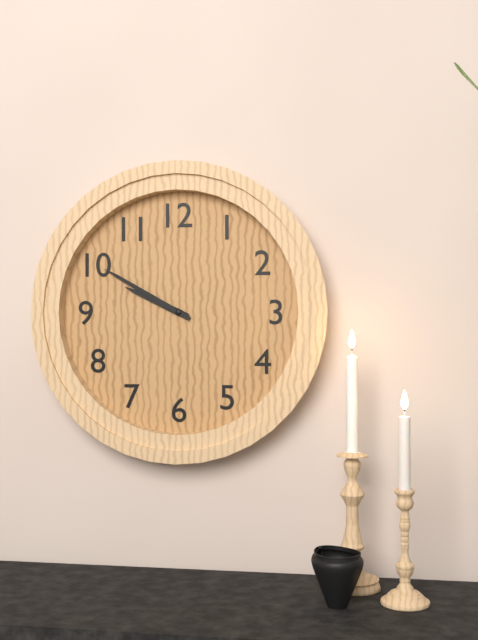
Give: 9h50
